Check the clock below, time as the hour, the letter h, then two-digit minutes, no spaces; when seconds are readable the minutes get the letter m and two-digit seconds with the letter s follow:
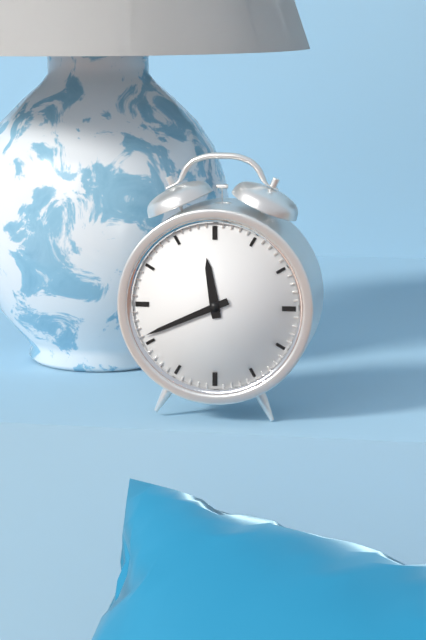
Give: 11h41
